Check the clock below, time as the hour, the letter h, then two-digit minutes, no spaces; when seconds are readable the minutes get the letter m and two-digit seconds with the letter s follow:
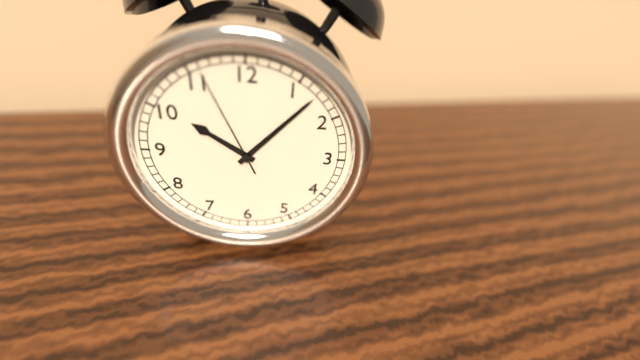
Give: 10h07m56s
